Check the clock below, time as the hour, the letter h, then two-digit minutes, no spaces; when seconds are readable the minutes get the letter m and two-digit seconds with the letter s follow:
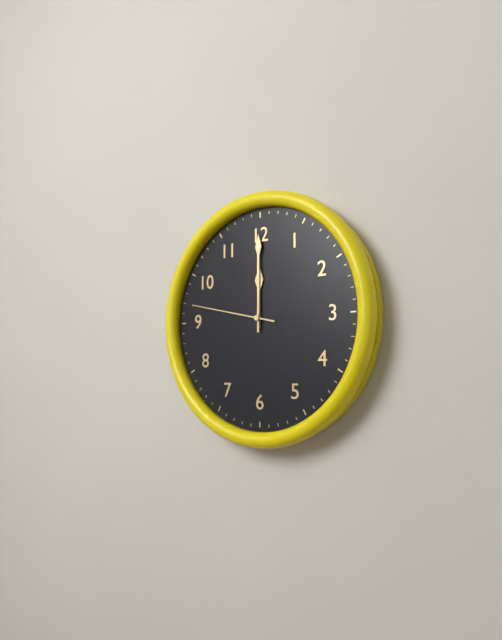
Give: 12h00m47s
